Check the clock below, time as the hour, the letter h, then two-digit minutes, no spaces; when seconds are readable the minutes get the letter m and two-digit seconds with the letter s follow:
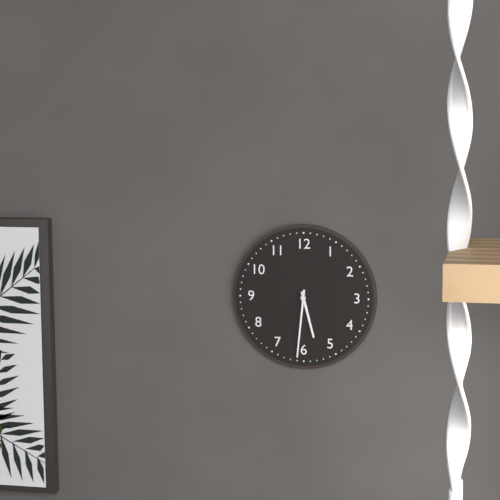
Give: 5h31
